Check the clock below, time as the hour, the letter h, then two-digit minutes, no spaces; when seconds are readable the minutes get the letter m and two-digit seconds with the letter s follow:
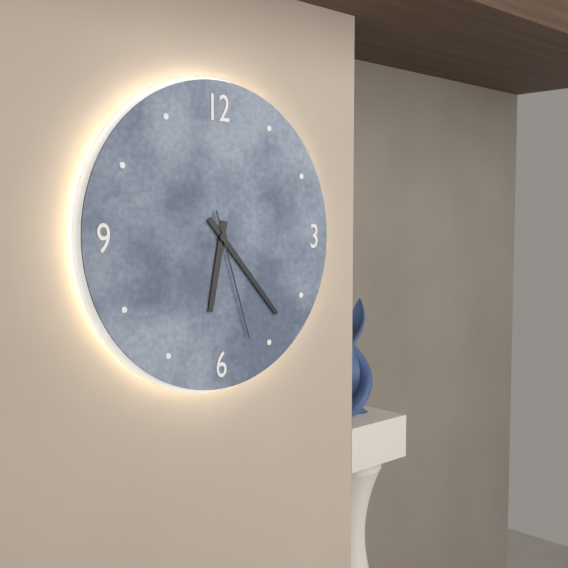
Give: 6h23m27s
